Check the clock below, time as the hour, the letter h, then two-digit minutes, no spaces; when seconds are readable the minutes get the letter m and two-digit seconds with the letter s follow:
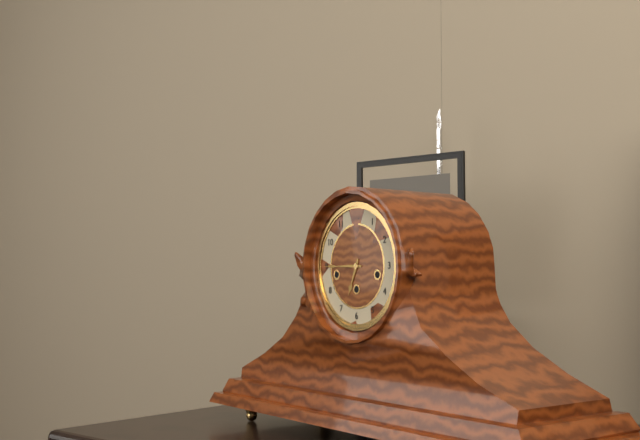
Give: 6h45
